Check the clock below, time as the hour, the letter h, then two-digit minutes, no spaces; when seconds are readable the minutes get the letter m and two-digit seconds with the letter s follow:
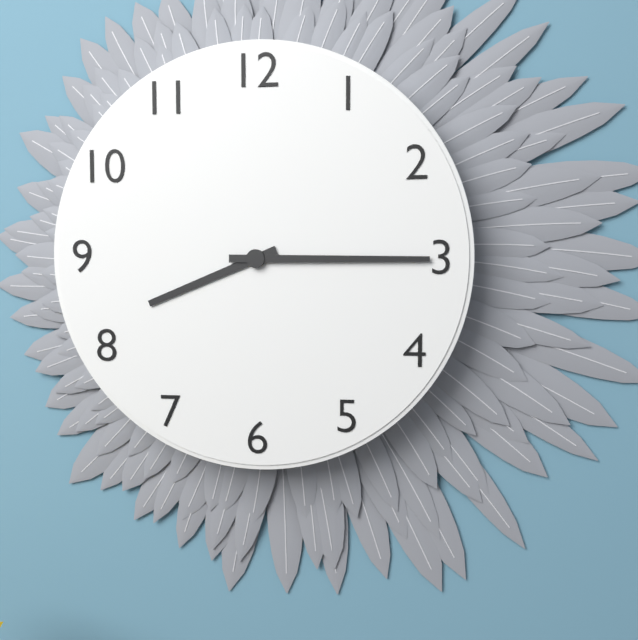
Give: 8h15
